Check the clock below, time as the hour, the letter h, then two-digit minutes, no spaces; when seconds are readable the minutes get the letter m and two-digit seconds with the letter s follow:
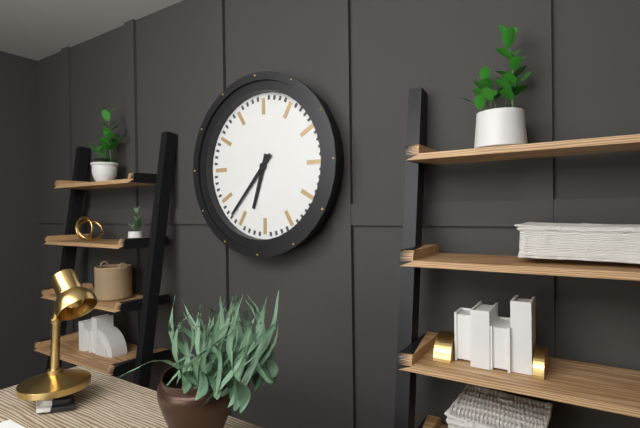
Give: 6h37
